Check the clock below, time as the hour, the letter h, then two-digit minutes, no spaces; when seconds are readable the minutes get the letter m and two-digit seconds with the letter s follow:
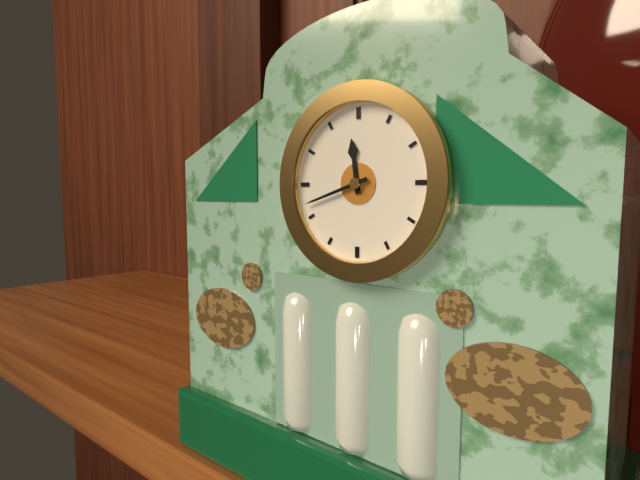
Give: 11h42
